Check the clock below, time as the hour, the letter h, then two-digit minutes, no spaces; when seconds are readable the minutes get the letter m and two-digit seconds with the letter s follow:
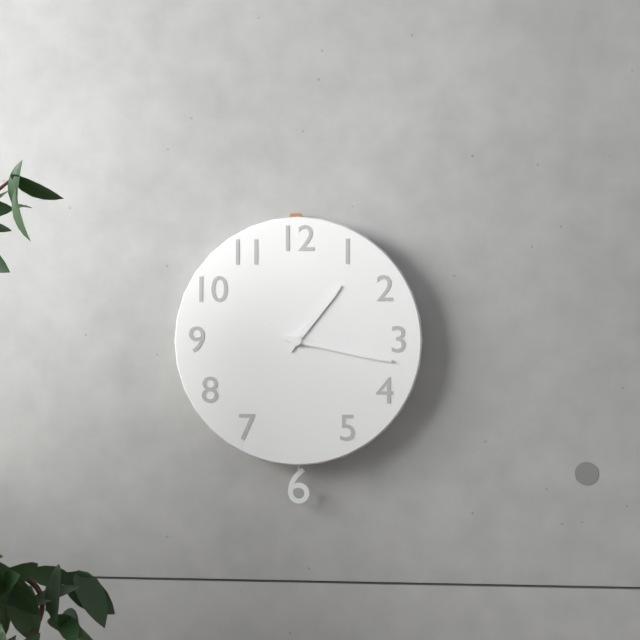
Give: 1h17
